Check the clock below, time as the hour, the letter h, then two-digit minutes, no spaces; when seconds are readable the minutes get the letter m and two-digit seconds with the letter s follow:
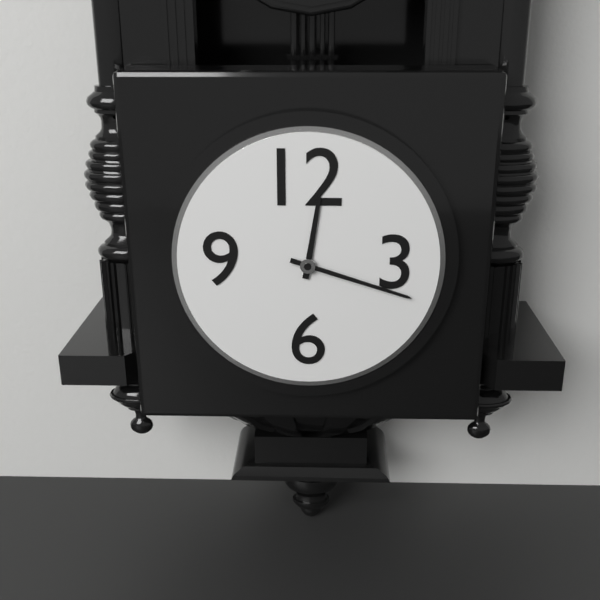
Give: 12h18
